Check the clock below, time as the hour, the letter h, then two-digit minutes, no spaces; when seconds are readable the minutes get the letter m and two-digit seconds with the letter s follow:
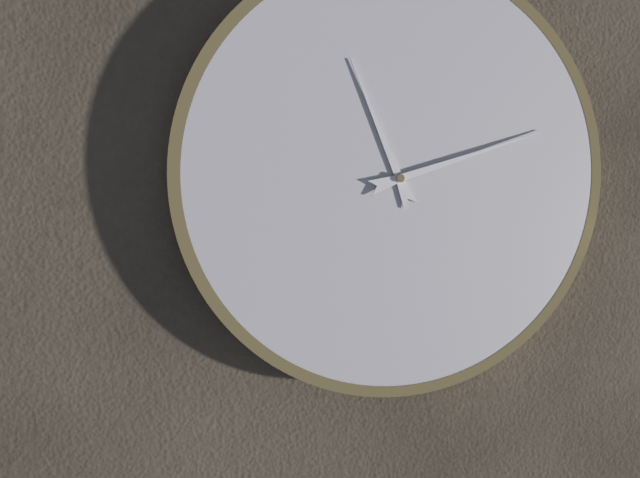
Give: 11h12
